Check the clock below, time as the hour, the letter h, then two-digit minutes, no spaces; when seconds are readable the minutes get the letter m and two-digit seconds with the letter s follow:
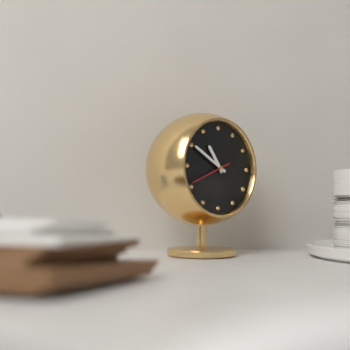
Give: 10h50
